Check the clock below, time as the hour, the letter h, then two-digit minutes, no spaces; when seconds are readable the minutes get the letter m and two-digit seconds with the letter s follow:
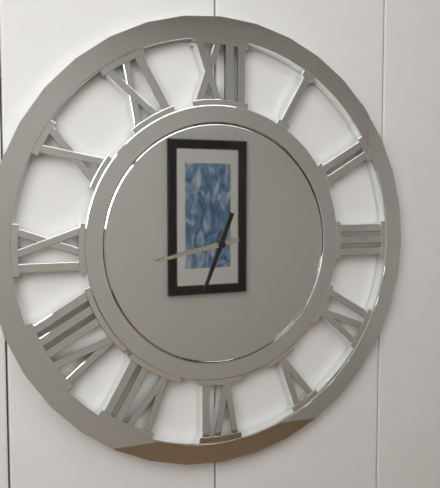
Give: 6h43
